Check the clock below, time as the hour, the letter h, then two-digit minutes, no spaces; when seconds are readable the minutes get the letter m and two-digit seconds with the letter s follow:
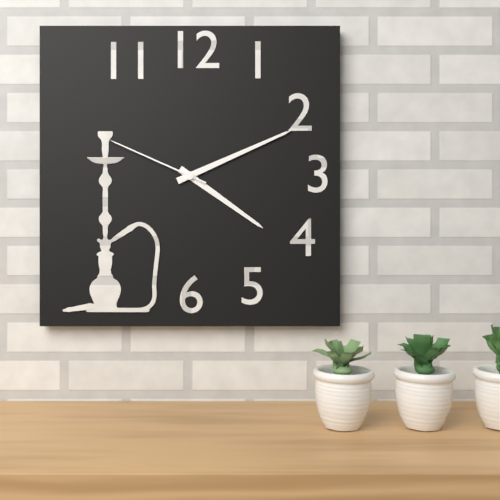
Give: 4h11m49s
